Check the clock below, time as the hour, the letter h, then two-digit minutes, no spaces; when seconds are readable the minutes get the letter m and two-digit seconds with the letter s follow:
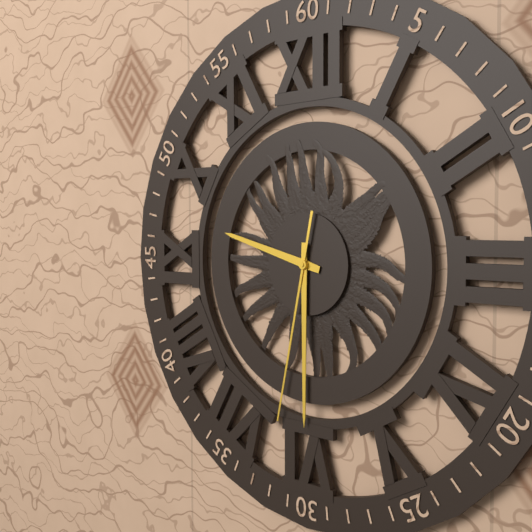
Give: 9h30m32s
